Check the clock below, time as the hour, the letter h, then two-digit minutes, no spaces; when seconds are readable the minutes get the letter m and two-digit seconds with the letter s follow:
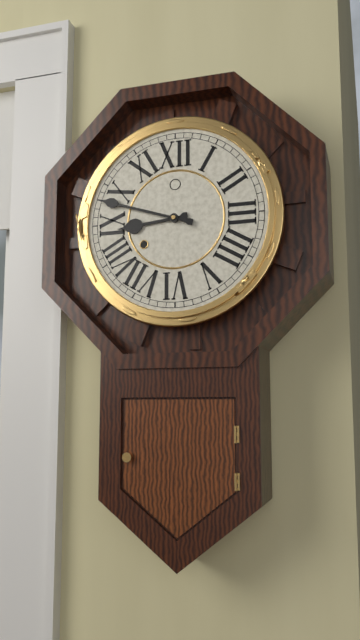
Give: 8h48
